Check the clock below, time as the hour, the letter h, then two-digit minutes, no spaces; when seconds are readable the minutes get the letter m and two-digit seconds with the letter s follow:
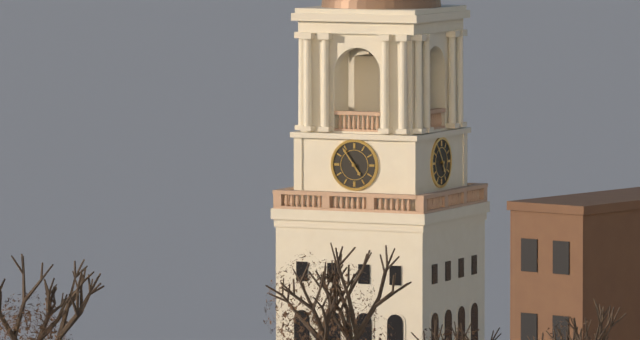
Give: 4h54
